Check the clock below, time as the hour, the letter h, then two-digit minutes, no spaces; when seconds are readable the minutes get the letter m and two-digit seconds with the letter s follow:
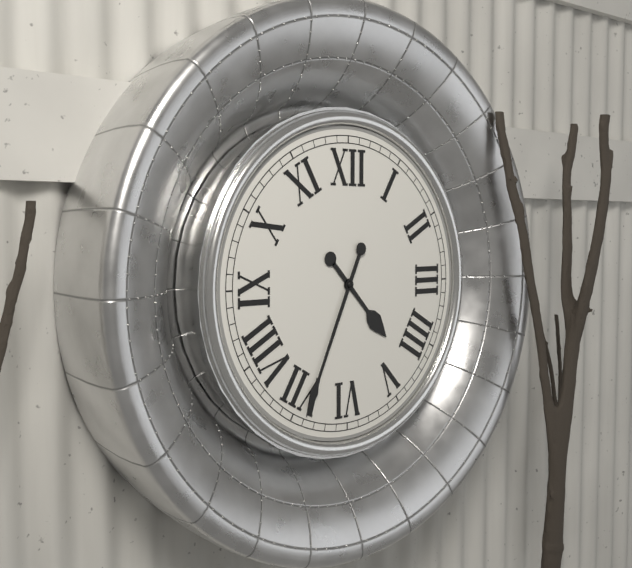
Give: 4h34
